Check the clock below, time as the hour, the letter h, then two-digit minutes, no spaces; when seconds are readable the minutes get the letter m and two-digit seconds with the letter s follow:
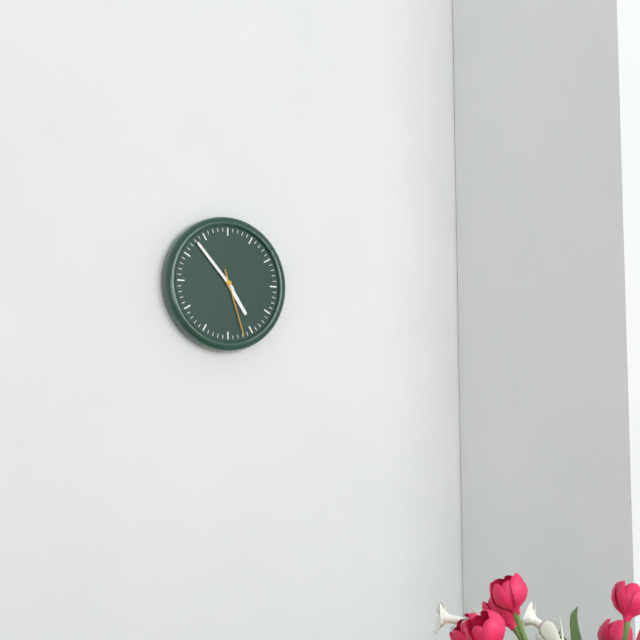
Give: 4h53m27s
